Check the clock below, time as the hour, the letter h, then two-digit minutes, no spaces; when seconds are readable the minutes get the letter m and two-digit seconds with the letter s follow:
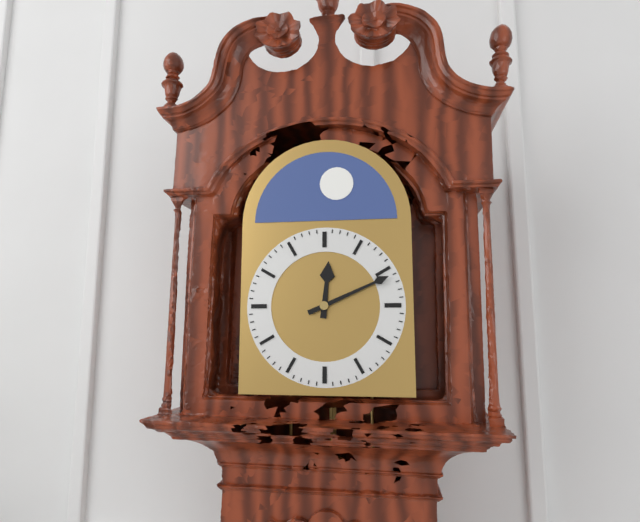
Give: 12h11
